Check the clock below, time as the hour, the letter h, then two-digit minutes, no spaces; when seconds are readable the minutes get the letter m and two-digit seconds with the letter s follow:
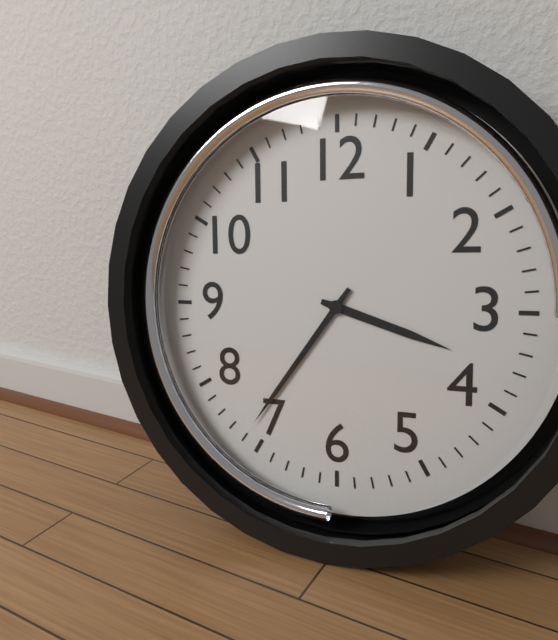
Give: 3h36
